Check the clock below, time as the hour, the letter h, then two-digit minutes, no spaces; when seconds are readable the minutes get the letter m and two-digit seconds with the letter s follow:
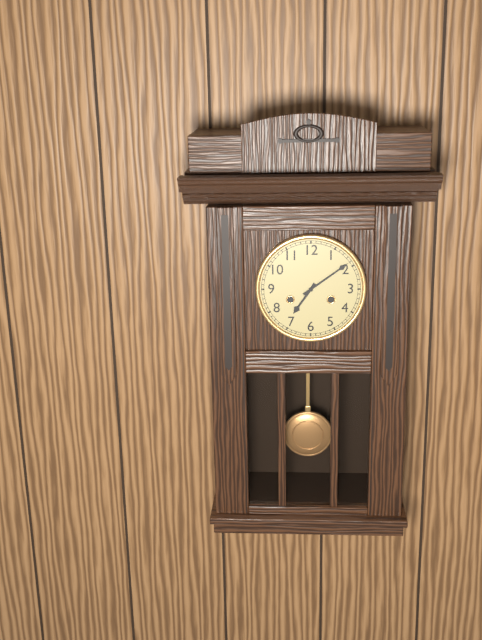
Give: 7h09
